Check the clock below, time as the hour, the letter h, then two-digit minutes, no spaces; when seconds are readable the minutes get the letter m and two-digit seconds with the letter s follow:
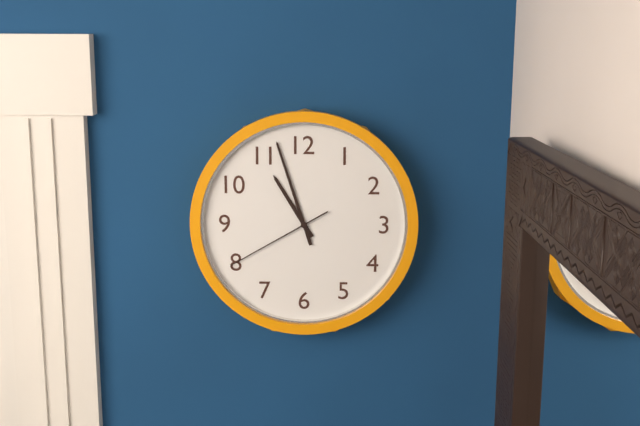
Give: 10h57m40s
